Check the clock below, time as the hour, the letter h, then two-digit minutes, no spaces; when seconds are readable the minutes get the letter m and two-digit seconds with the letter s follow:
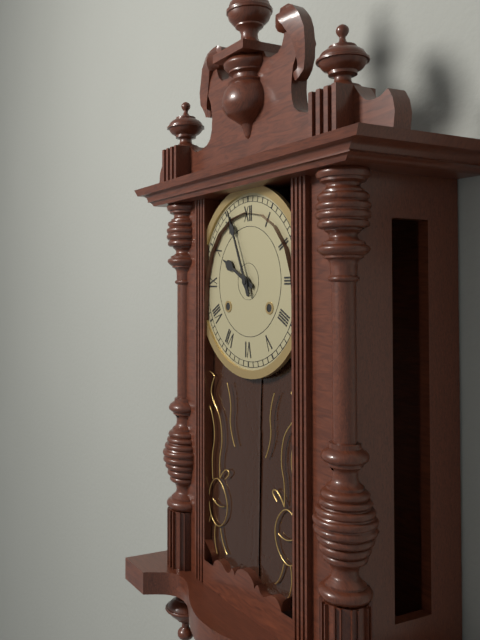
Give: 9h56
